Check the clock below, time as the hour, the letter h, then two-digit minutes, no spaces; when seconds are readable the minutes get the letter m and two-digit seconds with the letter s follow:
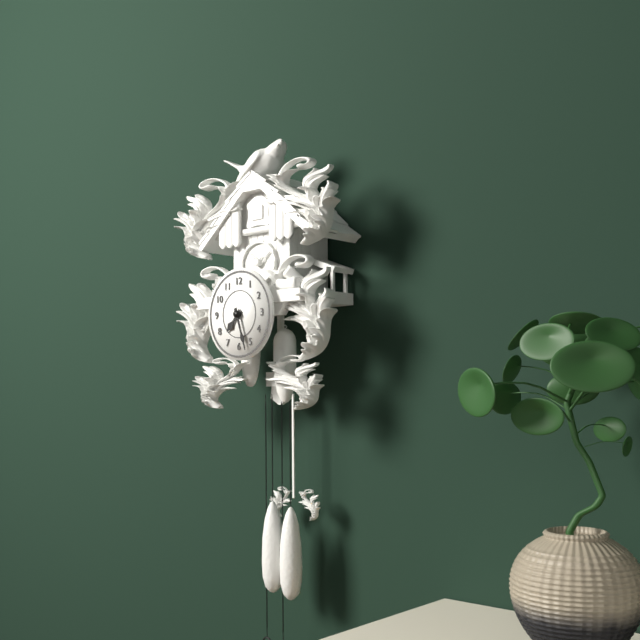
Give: 7h27
